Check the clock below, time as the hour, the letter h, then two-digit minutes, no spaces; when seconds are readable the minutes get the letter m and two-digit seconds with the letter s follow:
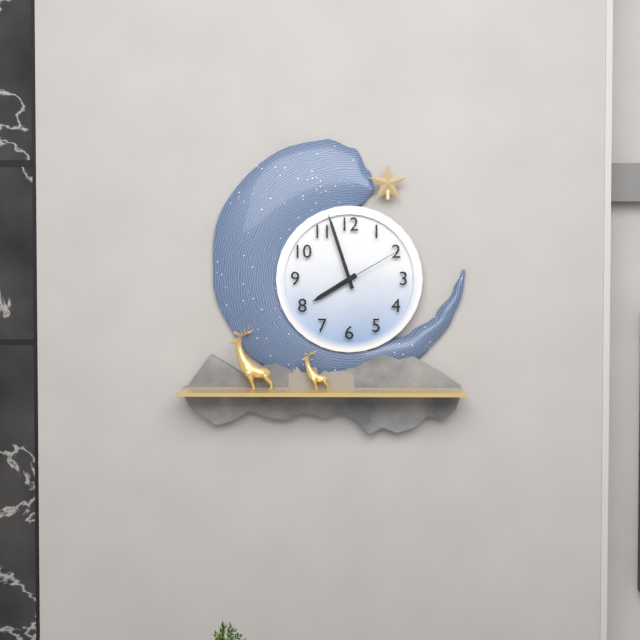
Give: 7h57m10s
